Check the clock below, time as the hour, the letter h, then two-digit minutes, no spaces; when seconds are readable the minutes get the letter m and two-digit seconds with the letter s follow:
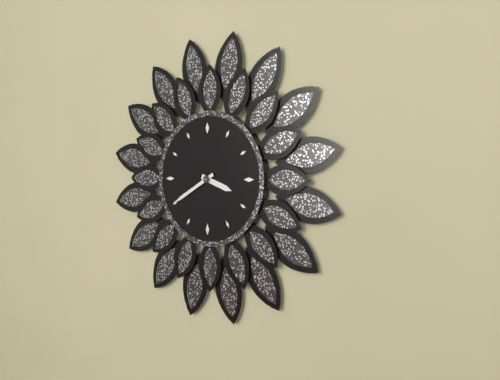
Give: 3h40
